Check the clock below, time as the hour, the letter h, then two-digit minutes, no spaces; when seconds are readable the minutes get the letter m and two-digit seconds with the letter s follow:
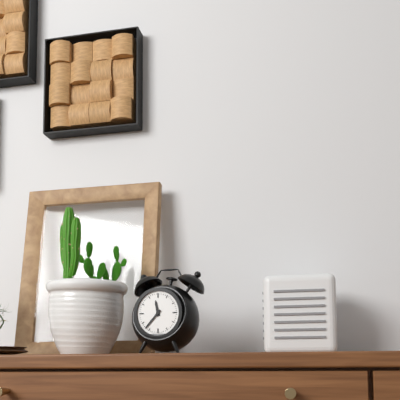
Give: 11h37
